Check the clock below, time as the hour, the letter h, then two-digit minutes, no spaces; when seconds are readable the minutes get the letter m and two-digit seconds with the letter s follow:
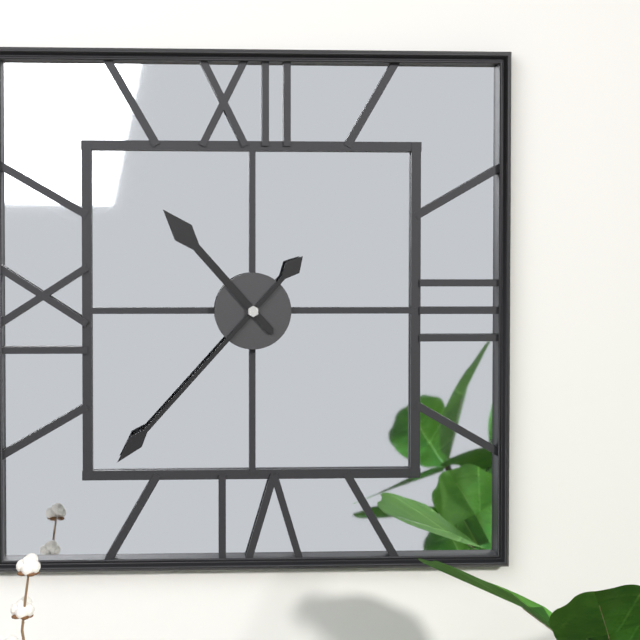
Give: 10h37
